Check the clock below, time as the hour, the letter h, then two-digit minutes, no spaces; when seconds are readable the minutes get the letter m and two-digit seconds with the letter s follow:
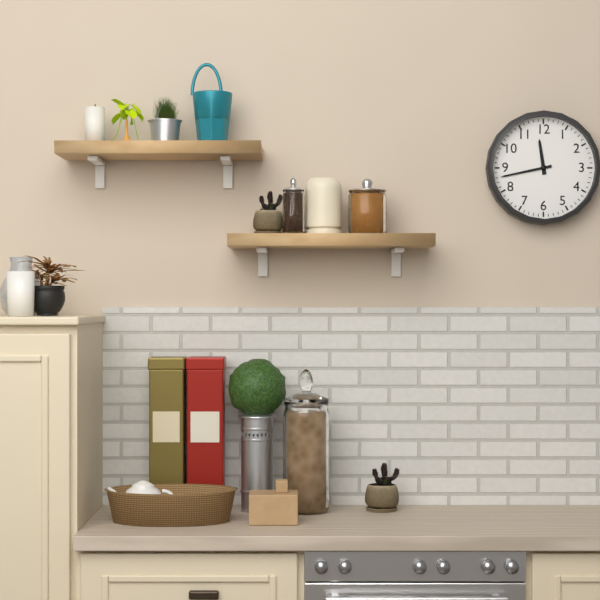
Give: 11h43
